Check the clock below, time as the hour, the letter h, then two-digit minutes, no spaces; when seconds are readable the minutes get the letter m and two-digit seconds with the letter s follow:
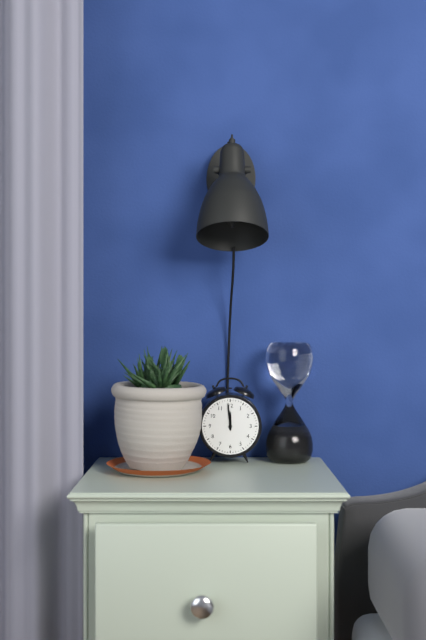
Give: 11h59
